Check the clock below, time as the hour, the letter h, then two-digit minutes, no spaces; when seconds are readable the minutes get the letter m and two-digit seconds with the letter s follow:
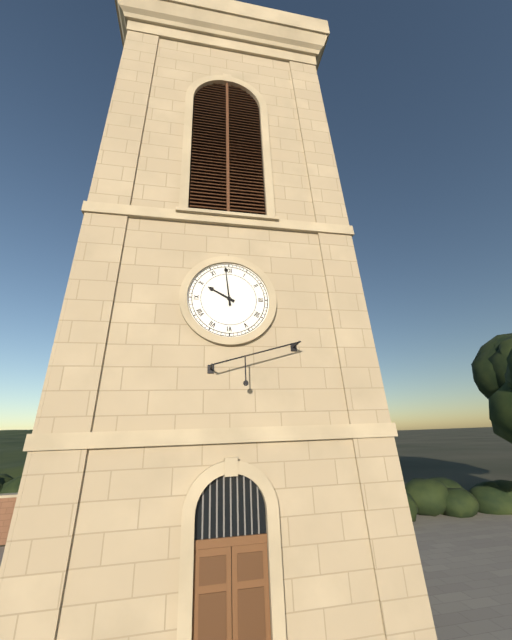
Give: 9h59
